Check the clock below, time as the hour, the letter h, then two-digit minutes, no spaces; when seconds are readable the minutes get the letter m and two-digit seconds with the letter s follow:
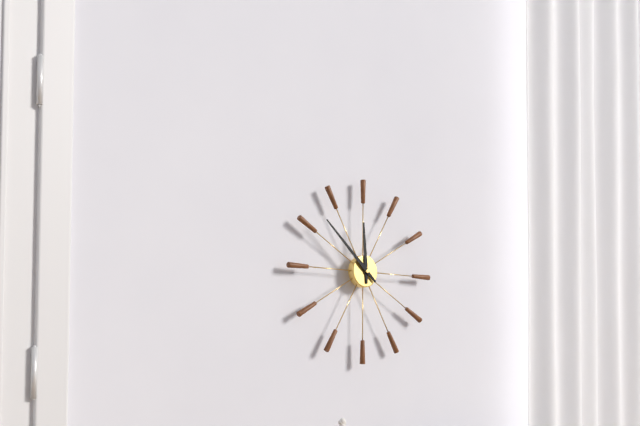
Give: 11h52
